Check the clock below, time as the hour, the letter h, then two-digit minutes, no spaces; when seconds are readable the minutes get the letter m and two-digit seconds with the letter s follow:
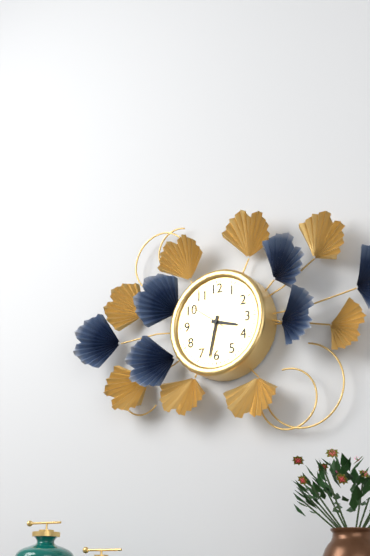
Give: 3h32
